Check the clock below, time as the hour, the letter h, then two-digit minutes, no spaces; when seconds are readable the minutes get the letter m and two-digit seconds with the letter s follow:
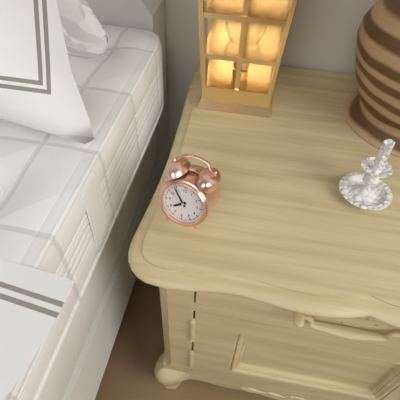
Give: 7h54
